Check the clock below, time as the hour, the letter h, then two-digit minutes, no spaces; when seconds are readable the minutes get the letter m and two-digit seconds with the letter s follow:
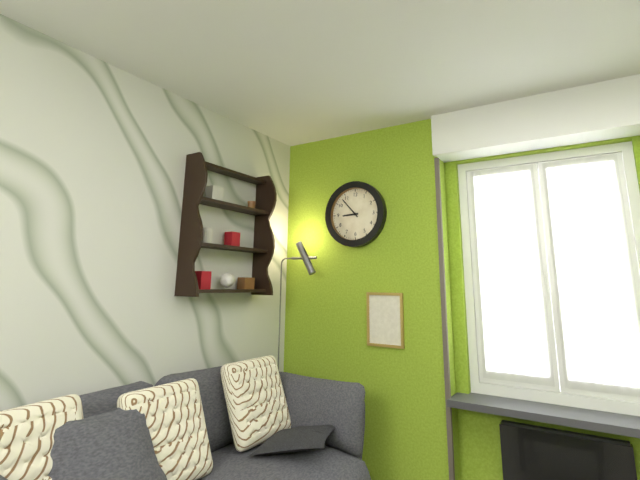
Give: 8h53
